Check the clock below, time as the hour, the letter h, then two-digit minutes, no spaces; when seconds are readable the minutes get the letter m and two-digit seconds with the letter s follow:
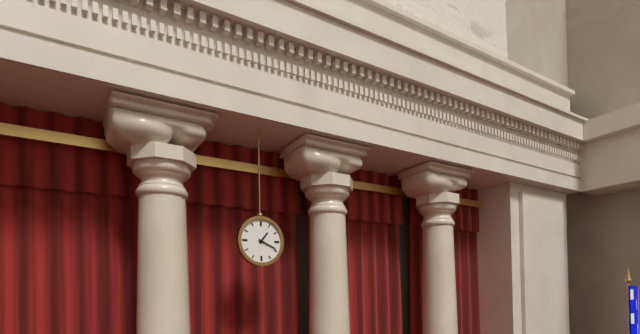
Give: 1h19
